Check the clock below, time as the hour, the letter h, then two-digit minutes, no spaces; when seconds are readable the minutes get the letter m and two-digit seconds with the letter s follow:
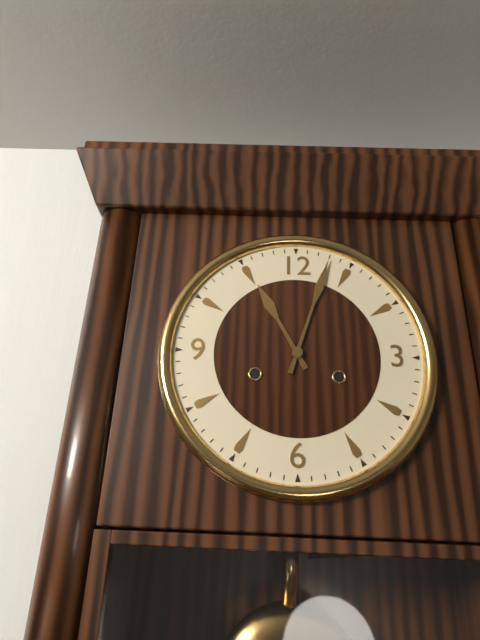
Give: 11h03
